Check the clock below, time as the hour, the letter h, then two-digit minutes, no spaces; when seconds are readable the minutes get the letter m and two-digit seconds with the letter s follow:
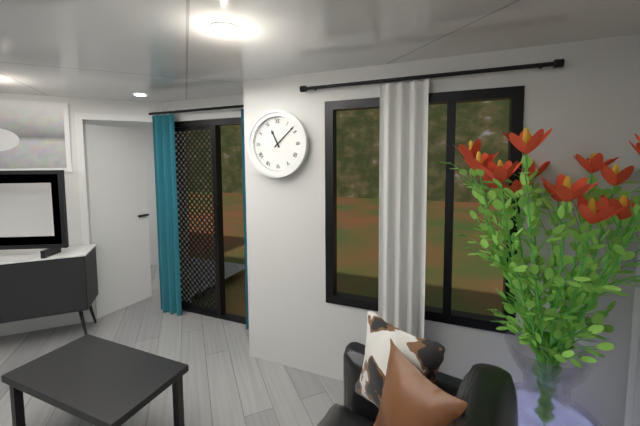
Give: 11h08
